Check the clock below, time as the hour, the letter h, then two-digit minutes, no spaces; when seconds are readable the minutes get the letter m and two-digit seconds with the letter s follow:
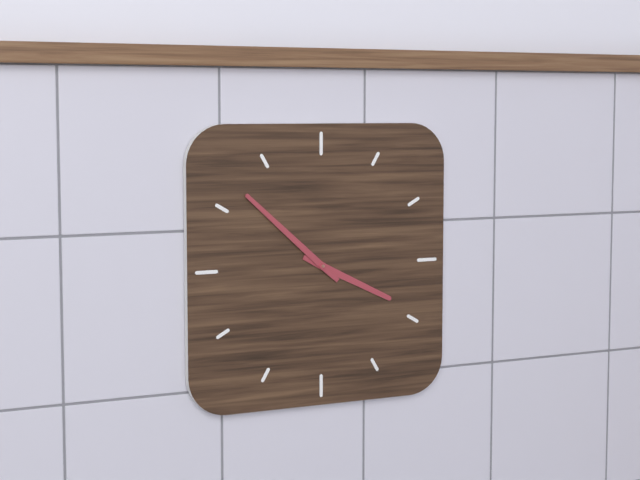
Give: 3h52
